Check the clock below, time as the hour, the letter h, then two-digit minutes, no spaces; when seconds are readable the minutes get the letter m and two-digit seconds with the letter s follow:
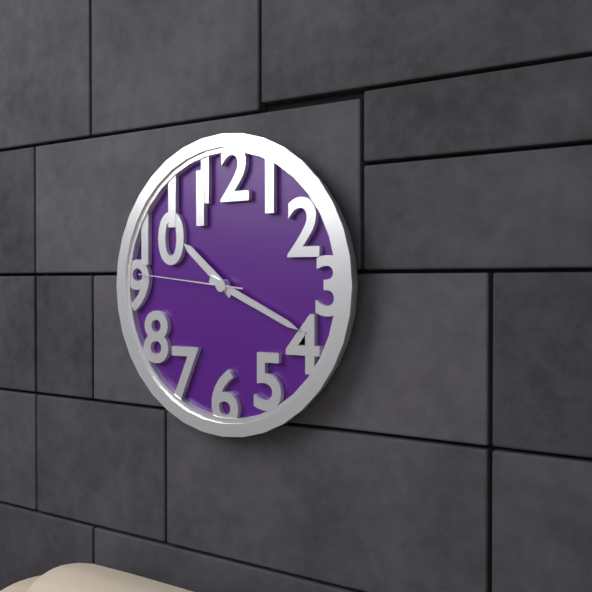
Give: 10h19m46s
